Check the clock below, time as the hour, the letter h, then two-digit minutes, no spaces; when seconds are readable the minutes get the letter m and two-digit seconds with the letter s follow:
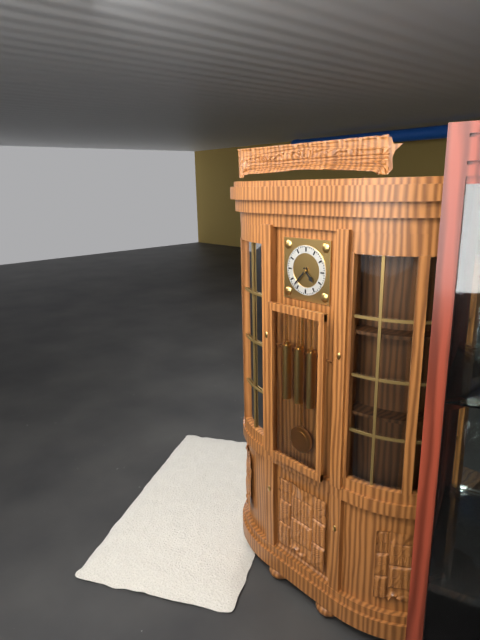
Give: 4h37
